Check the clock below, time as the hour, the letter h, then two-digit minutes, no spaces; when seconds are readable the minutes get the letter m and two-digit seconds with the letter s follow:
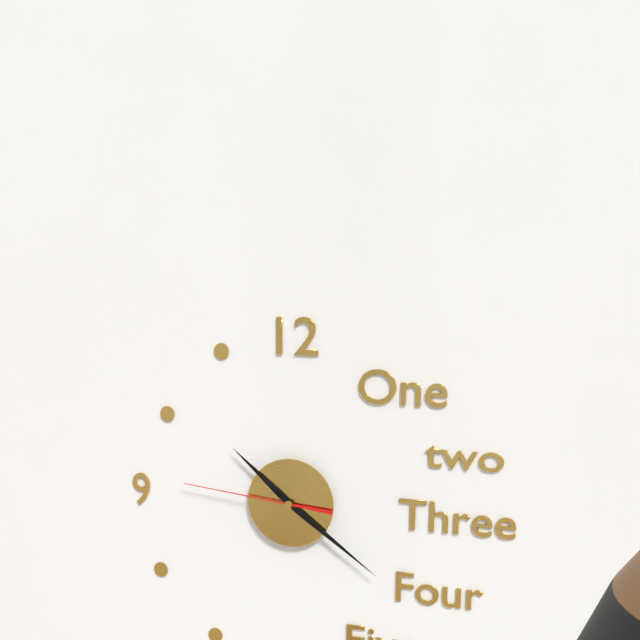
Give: 10h21m46s
